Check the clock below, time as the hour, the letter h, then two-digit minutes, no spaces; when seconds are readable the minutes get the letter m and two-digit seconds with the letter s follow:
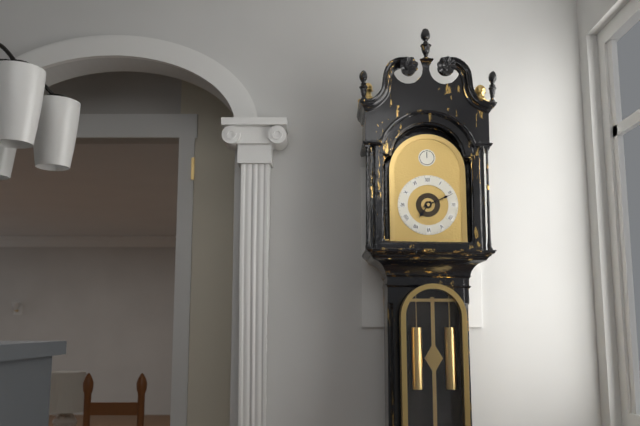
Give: 7h11
